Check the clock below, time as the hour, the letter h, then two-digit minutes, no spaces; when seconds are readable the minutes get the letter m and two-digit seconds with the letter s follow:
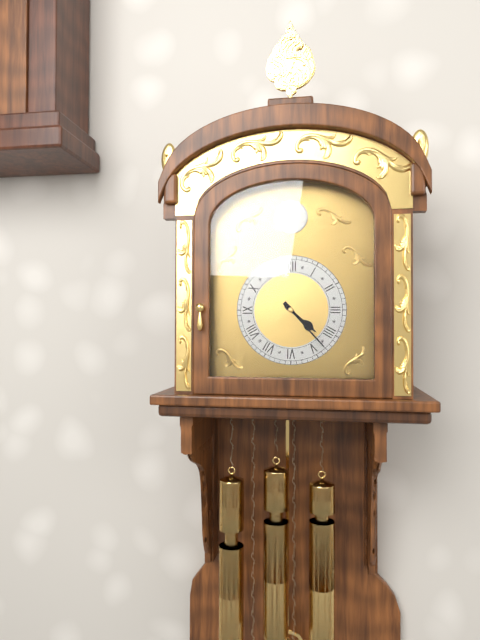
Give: 4h23
